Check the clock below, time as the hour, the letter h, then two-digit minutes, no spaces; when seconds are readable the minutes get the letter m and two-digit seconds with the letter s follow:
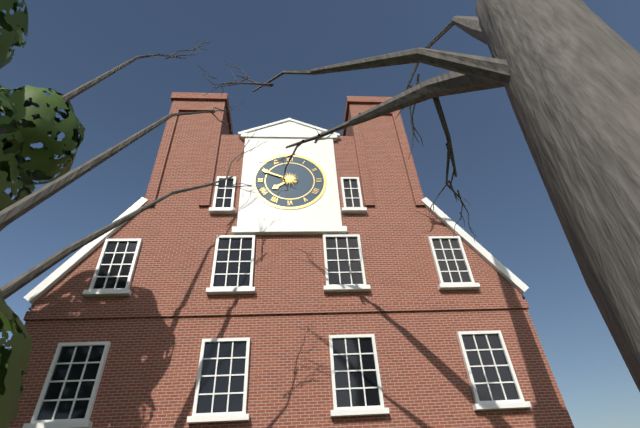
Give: 7h49
